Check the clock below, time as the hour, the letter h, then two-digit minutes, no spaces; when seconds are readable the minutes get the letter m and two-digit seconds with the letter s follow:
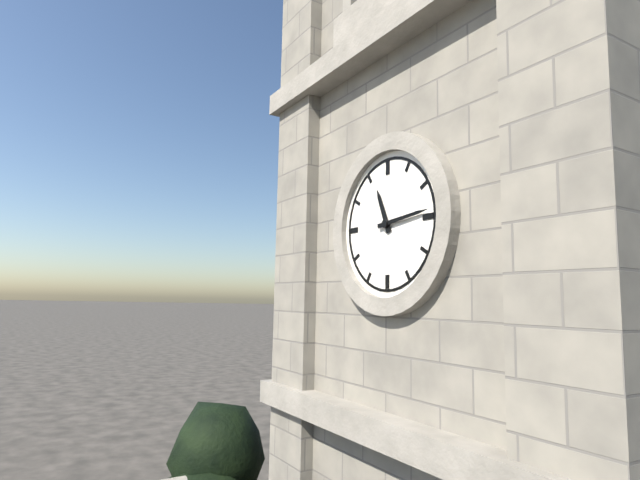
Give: 11h14
